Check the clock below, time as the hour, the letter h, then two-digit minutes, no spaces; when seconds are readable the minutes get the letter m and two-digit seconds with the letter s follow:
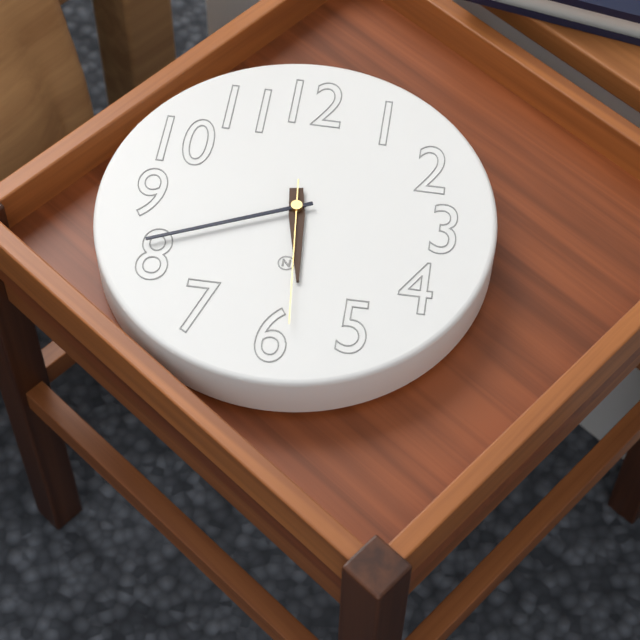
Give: 5h41m29s
